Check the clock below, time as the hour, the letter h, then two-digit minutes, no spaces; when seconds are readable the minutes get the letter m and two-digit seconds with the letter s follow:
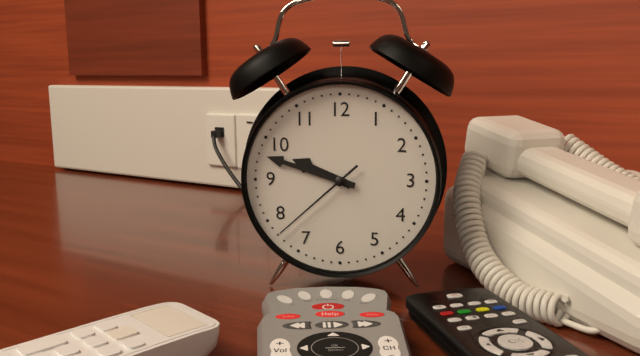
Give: 9h48m38s
